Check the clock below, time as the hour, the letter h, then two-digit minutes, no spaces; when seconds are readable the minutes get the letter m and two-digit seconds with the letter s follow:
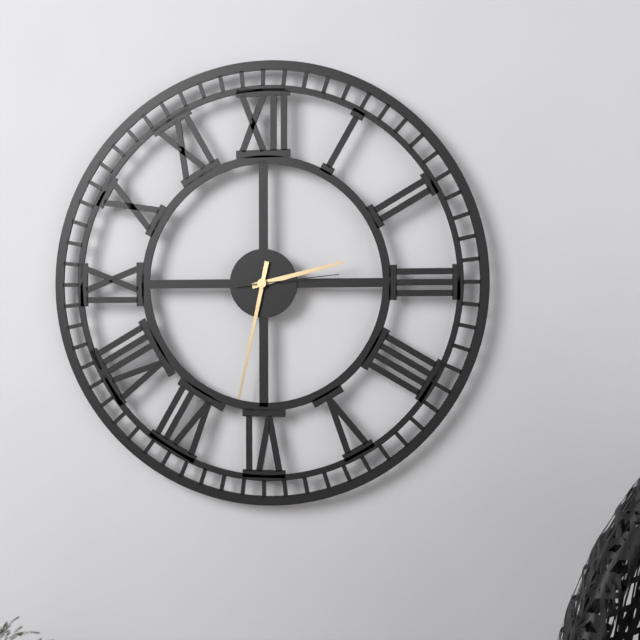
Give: 2h32m14s
